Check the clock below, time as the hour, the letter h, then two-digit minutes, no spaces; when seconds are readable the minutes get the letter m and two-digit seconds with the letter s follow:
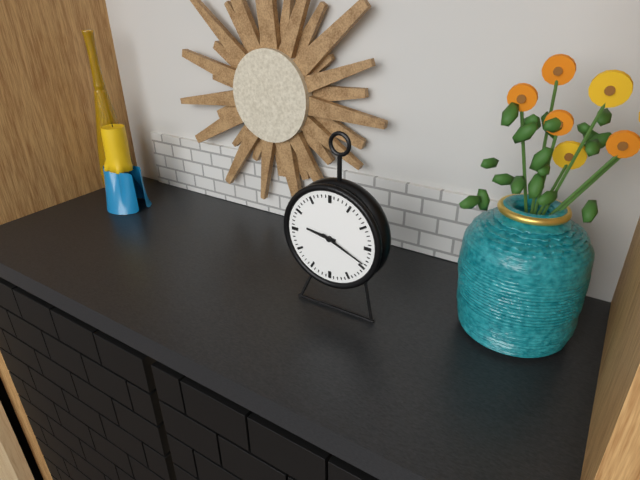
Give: 9h19
